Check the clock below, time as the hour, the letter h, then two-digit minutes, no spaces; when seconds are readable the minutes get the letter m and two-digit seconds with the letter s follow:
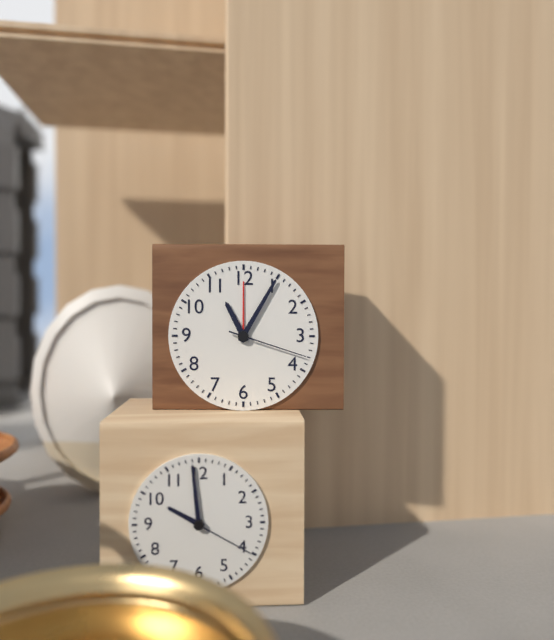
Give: 11h05m18s
